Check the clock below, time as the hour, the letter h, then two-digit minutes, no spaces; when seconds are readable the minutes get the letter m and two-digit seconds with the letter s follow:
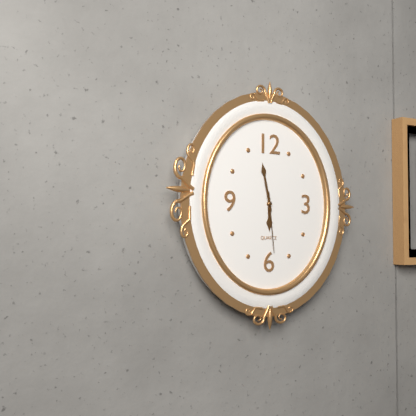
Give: 5h58m29s
